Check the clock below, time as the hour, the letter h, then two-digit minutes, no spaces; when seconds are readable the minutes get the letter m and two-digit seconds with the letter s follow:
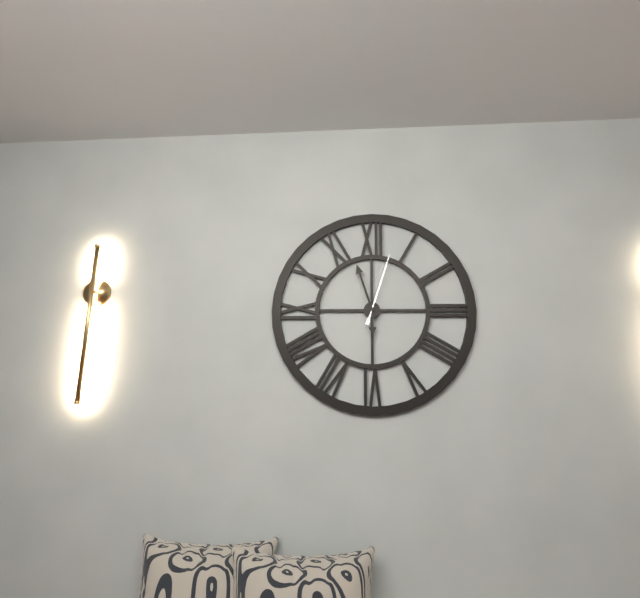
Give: 5h57m03s
